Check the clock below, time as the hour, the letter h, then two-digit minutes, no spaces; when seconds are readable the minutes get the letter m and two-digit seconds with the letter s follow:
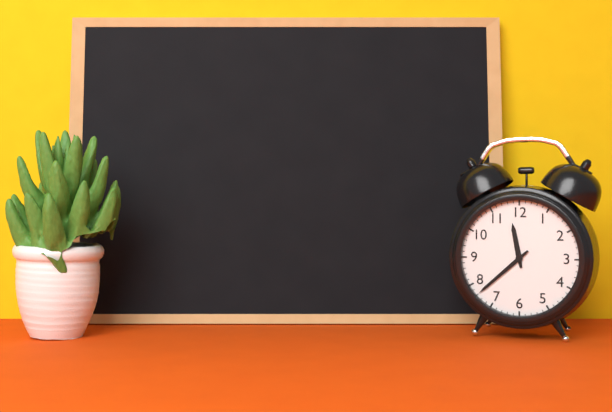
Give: 11h38
